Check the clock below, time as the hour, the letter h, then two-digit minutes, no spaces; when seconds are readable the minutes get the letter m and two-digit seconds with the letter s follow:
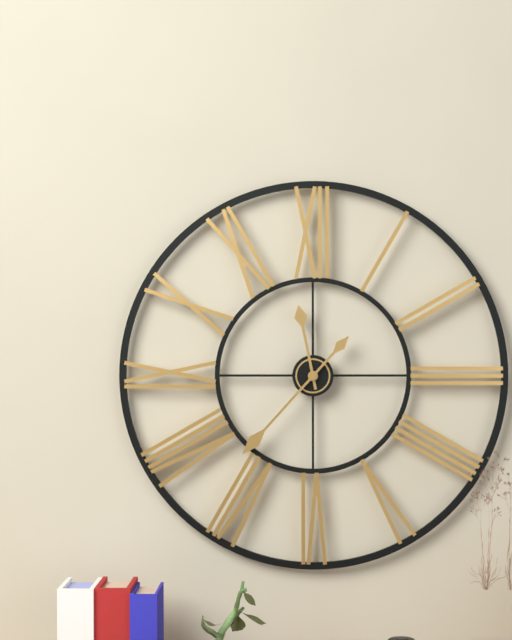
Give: 11h37
